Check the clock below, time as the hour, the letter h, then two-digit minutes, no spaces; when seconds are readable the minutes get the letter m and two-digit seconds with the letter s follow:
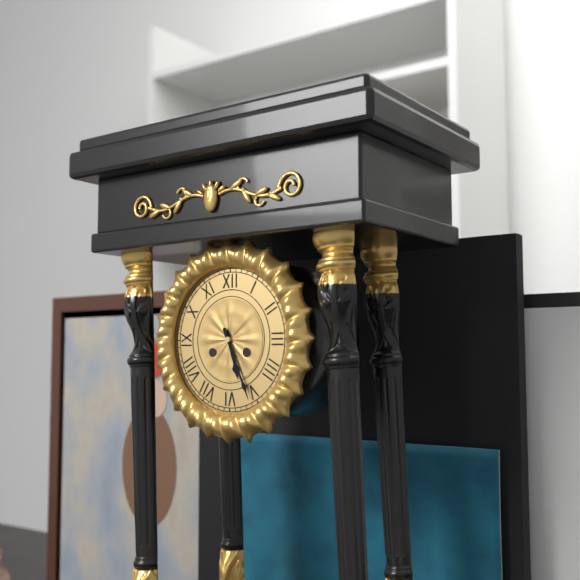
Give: 5h26
